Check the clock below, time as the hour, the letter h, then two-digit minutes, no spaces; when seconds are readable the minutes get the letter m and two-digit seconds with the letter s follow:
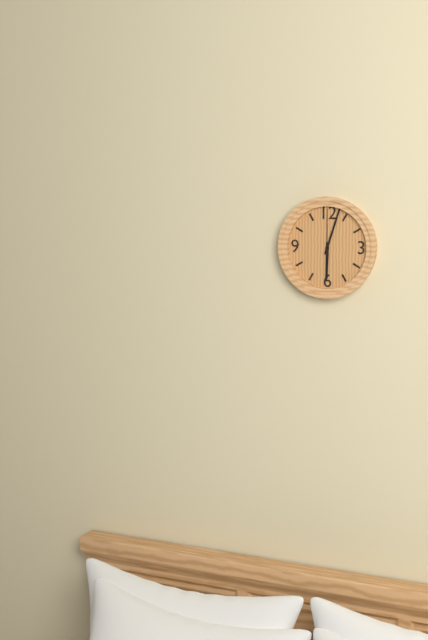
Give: 6h03
